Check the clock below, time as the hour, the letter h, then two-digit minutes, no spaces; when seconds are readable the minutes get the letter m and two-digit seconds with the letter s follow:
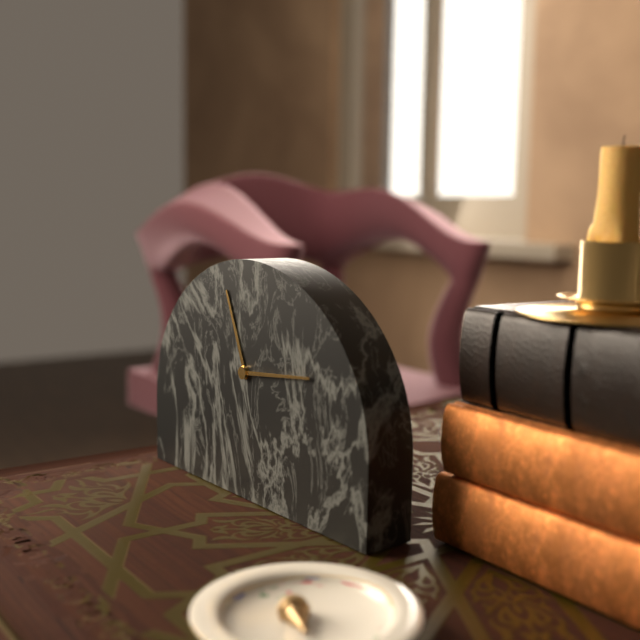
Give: 11h14
